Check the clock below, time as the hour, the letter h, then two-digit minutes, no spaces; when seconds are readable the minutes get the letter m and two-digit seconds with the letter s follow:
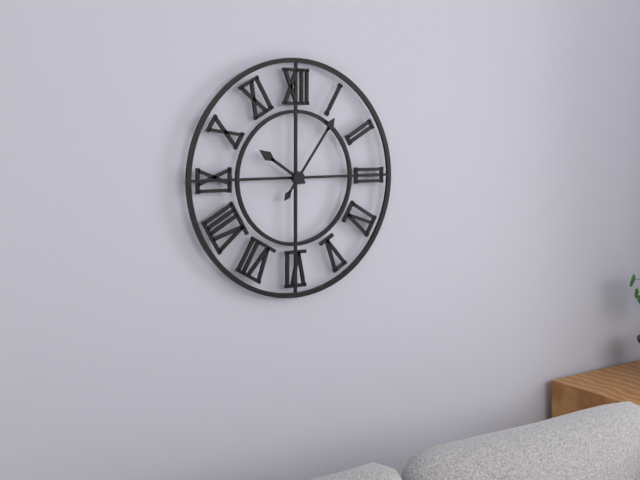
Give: 10h06
